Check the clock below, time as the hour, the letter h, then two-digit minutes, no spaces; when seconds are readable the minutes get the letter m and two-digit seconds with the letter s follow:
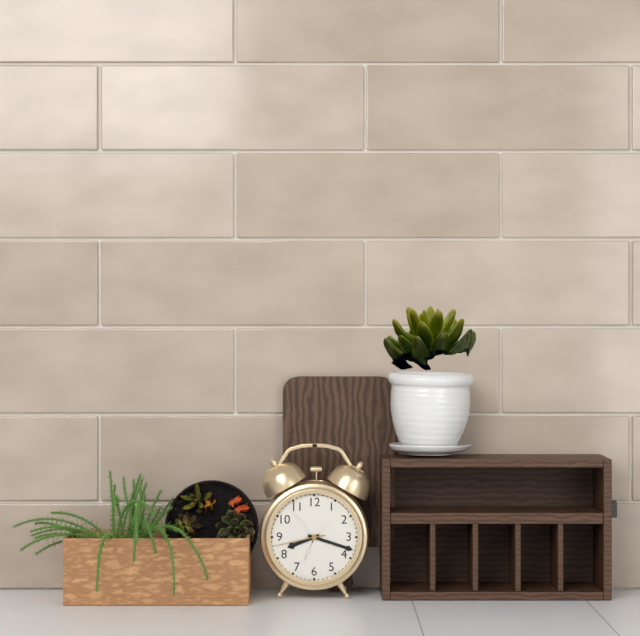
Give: 8h18m43s
